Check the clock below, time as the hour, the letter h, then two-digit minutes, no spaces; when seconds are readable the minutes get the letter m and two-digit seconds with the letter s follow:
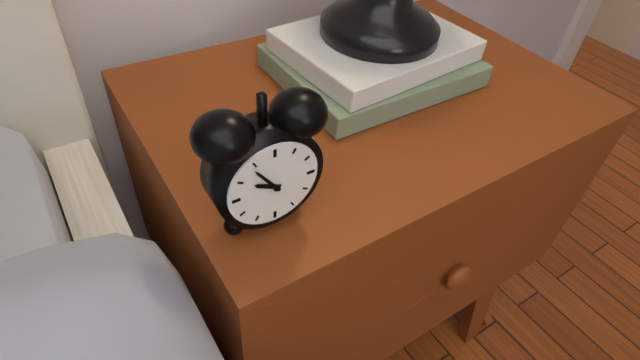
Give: 9h54
